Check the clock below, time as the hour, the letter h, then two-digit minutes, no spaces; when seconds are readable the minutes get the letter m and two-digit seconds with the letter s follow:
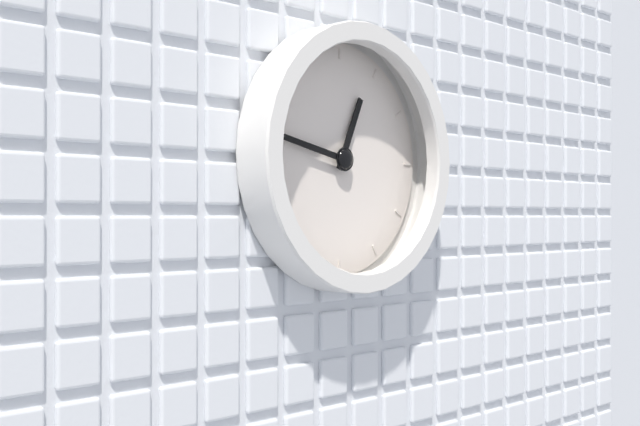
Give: 12h47
